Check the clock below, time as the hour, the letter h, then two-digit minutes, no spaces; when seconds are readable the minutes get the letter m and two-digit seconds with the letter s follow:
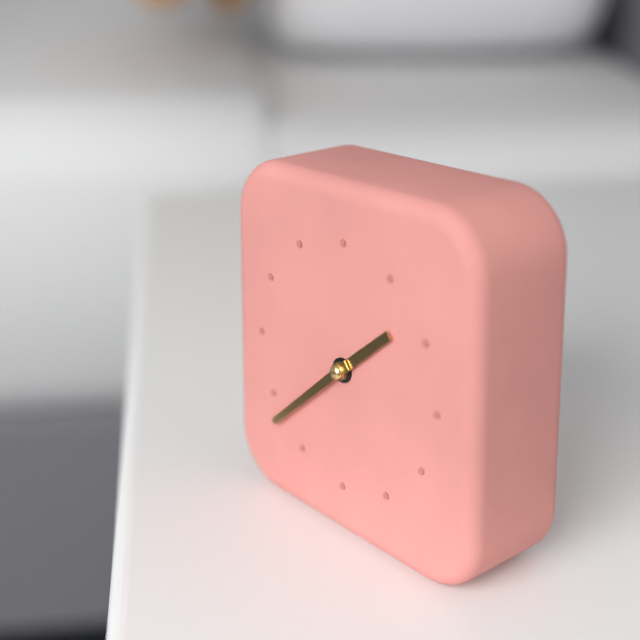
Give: 1h38
